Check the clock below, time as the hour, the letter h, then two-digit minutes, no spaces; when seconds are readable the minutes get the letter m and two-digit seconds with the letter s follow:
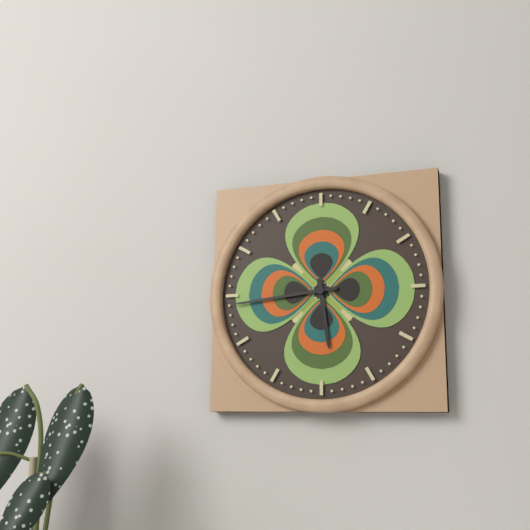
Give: 5h44
